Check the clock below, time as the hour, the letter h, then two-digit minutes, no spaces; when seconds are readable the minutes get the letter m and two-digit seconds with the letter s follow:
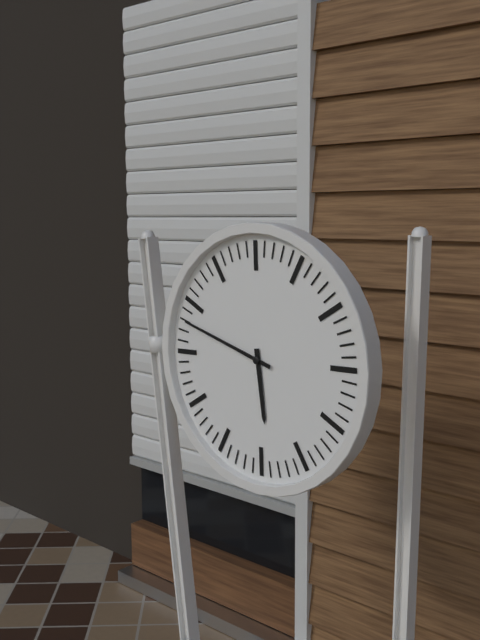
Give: 5h48
